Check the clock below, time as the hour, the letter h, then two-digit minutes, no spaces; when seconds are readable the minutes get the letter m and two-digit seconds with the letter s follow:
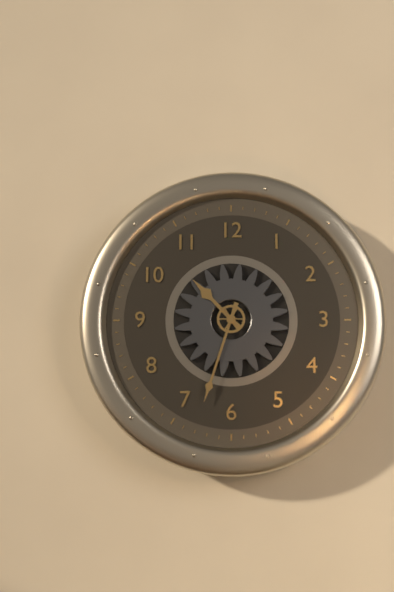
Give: 10h33
